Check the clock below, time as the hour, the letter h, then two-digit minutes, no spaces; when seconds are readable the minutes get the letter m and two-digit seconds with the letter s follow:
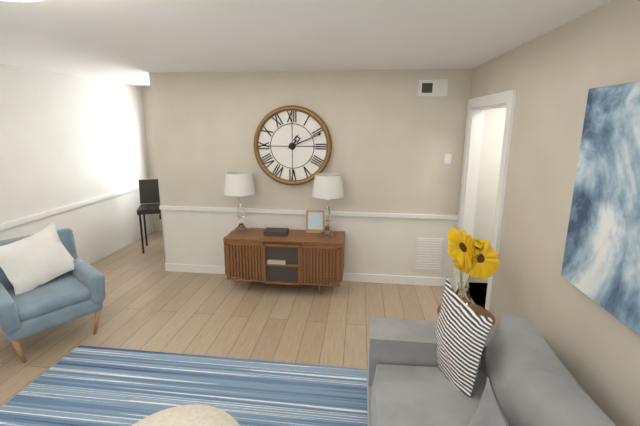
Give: 1h11
